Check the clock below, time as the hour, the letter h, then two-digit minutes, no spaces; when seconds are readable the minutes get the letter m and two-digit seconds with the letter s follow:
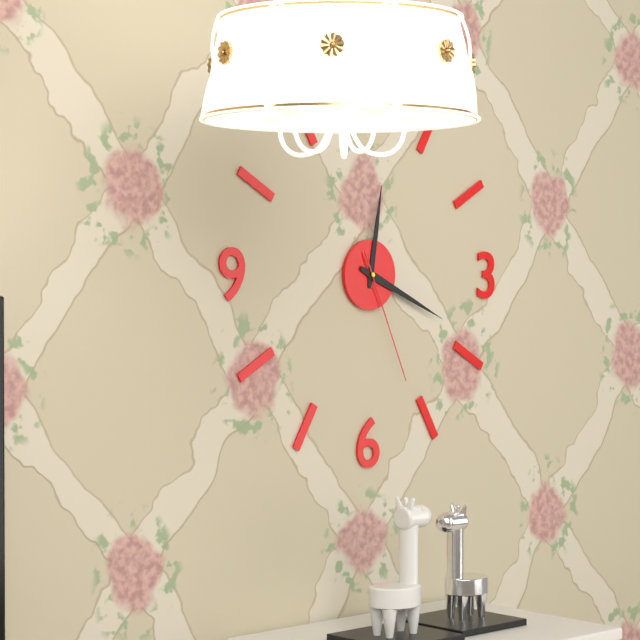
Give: 12h19m26s
